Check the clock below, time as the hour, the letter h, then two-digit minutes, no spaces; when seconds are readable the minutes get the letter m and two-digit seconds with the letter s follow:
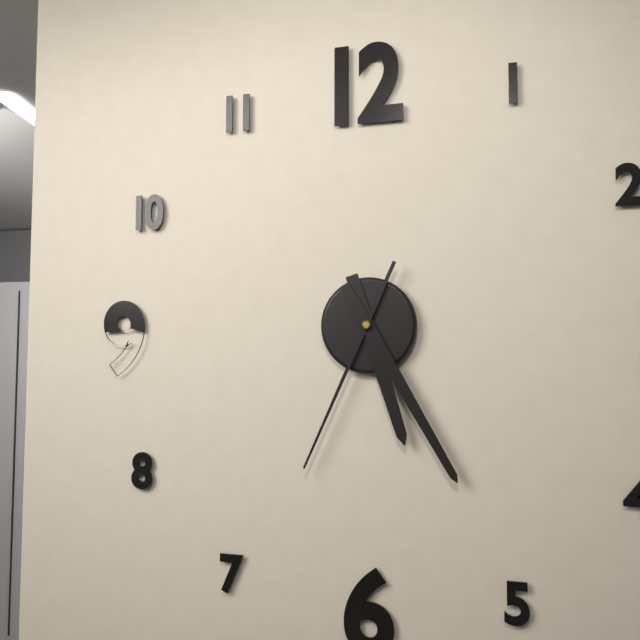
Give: 5h25m34s
